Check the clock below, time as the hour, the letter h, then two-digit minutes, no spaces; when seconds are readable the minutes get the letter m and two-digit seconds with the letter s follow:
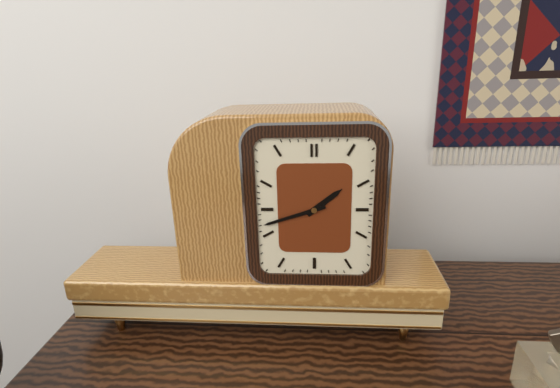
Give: 1h42
